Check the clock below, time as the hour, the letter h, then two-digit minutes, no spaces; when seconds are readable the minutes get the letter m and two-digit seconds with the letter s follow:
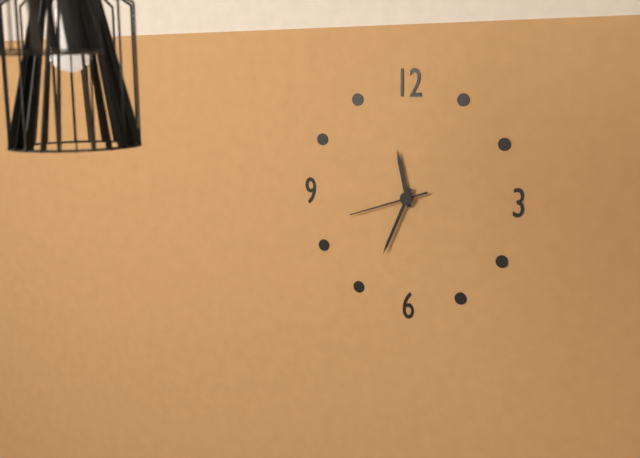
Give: 11h34m42s
